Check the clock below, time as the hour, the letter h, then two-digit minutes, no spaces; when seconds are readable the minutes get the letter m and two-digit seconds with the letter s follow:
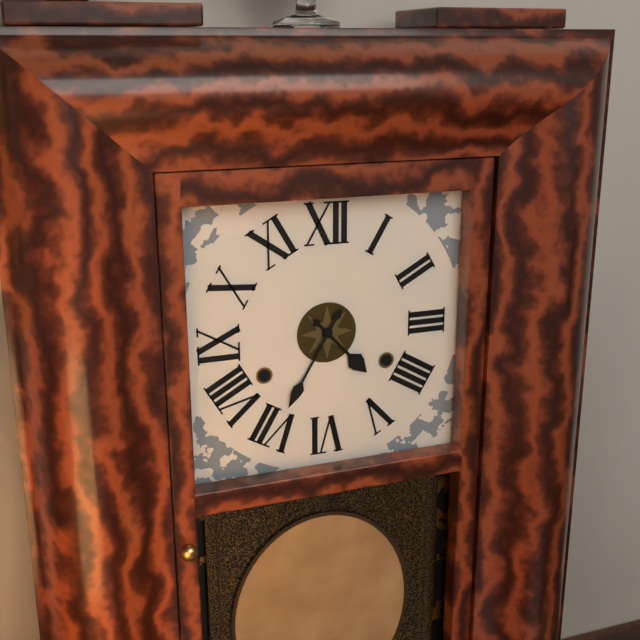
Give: 4h35
